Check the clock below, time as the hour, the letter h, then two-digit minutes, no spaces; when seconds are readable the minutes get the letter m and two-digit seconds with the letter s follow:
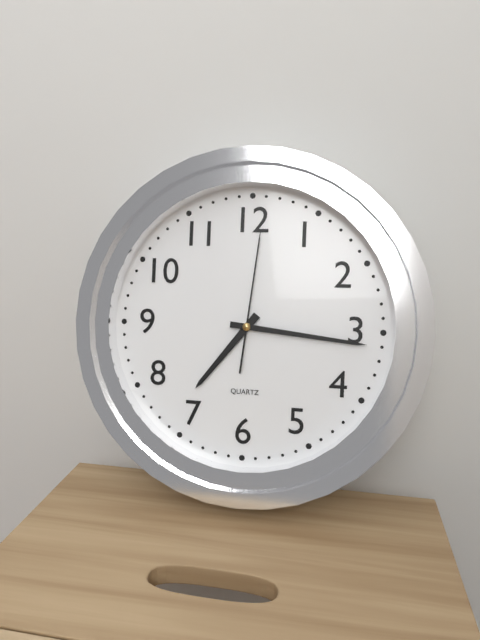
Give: 7h16m01s
